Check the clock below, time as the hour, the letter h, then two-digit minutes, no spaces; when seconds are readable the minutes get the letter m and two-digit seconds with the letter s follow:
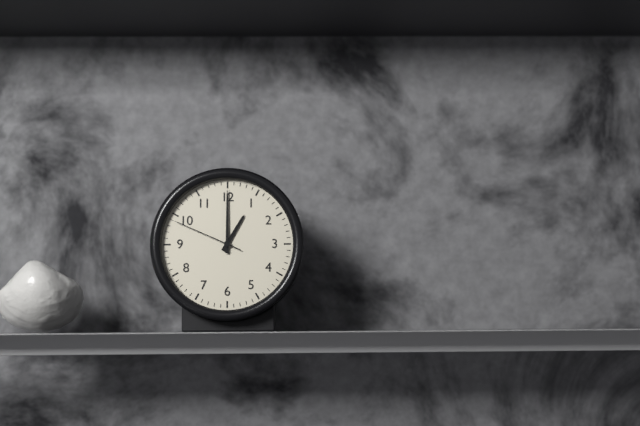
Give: 1h00m49s
